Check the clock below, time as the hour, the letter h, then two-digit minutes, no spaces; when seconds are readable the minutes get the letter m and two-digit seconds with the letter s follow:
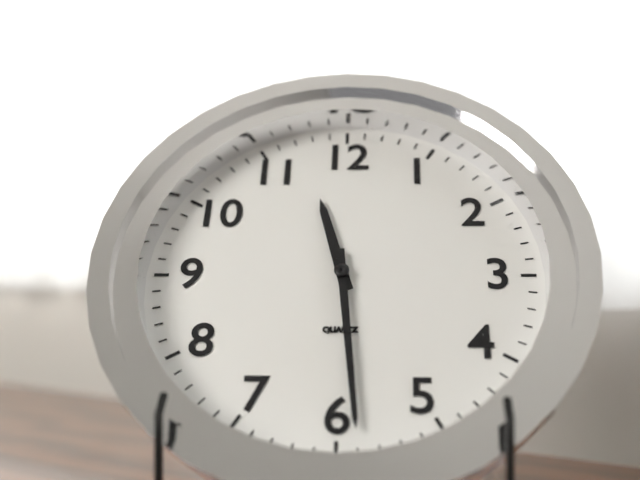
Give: 11h29
